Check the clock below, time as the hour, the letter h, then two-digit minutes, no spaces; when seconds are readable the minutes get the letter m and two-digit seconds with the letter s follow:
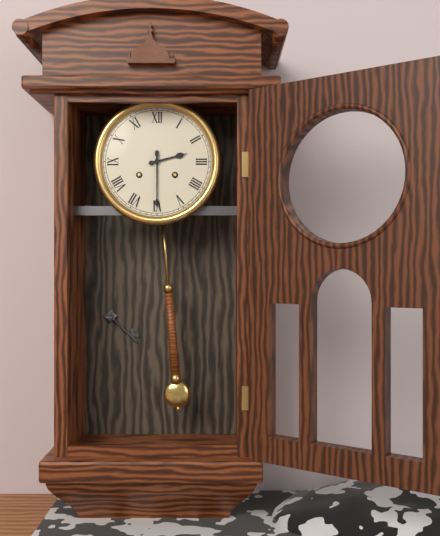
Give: 2h30
